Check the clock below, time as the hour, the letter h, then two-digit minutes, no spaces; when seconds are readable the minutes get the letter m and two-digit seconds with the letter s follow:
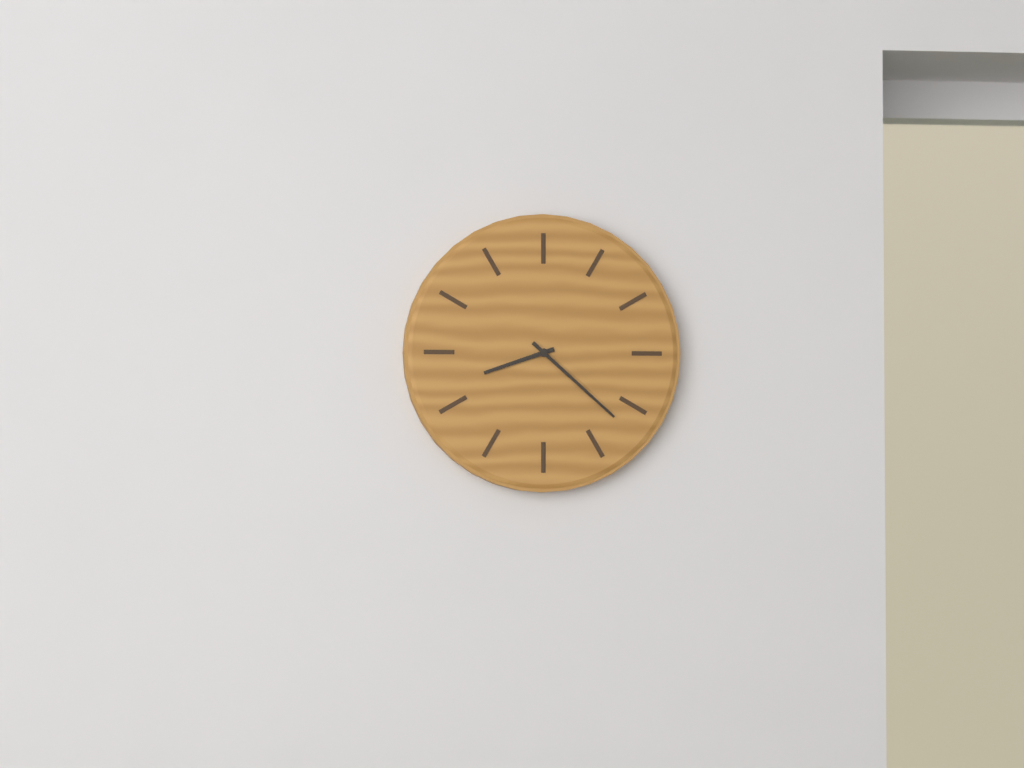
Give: 8h22
